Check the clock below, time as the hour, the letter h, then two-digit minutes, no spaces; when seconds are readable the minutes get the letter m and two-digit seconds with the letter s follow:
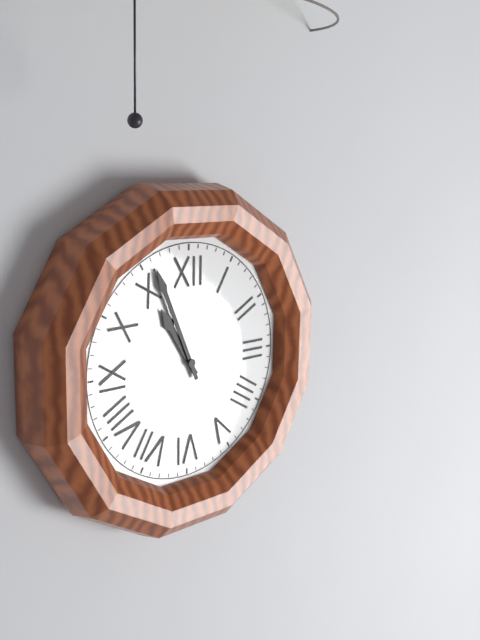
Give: 10h56
